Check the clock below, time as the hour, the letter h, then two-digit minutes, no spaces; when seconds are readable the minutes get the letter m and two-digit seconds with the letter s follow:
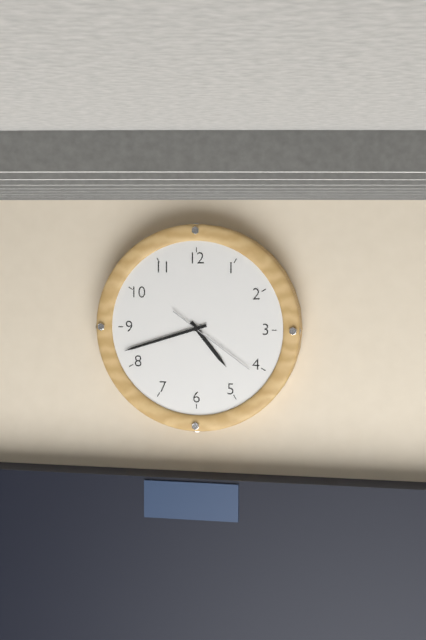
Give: 4h42m21s
